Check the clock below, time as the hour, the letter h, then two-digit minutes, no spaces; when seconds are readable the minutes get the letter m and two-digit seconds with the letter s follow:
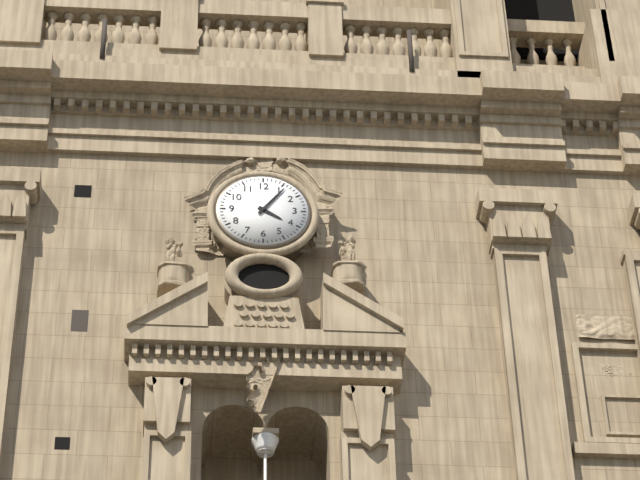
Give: 4h06
